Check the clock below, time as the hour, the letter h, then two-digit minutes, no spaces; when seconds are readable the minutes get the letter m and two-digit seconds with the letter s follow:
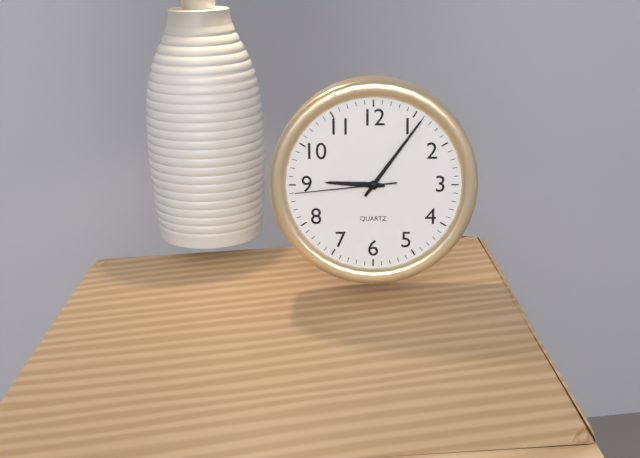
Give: 9h06m44s
